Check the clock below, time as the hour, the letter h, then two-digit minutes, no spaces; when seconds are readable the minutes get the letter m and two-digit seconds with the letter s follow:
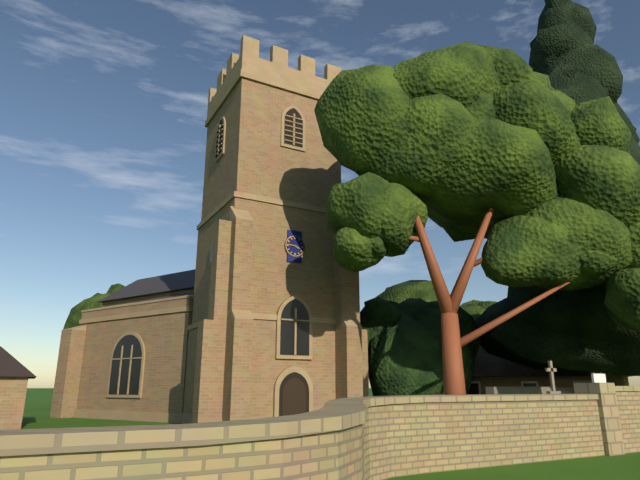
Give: 3h46
